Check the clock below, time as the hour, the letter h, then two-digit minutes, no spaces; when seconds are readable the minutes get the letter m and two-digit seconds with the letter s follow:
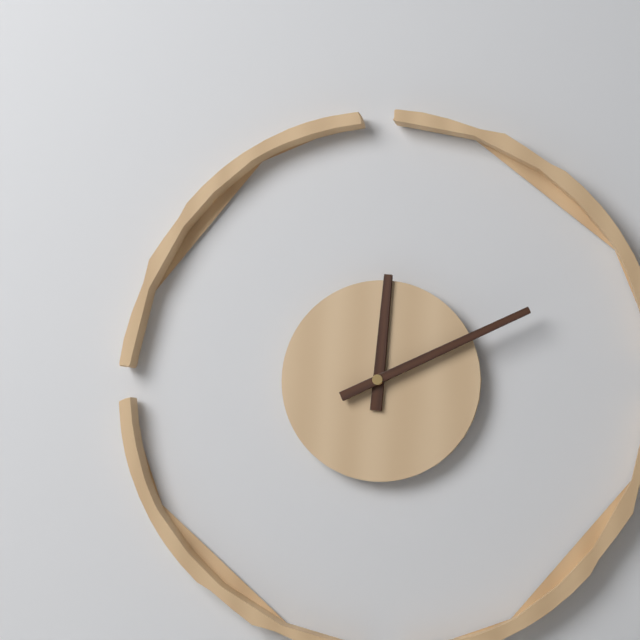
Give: 12h11
